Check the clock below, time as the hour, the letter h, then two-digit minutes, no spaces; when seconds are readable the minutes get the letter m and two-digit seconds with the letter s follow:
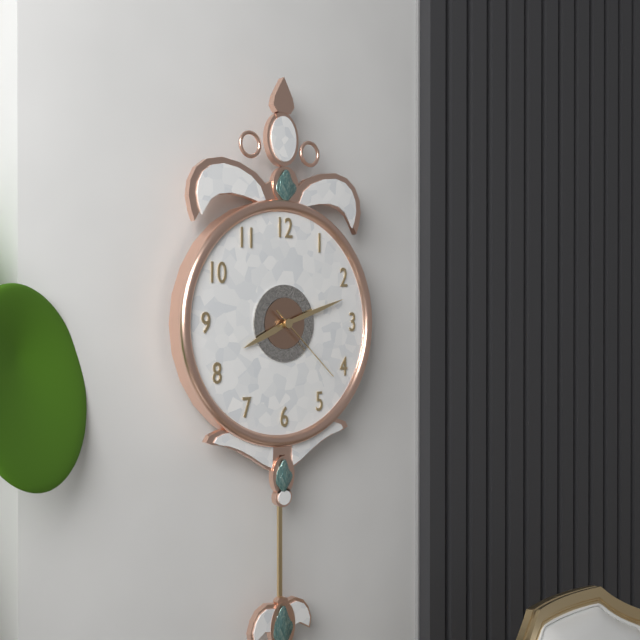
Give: 8h12m22s
